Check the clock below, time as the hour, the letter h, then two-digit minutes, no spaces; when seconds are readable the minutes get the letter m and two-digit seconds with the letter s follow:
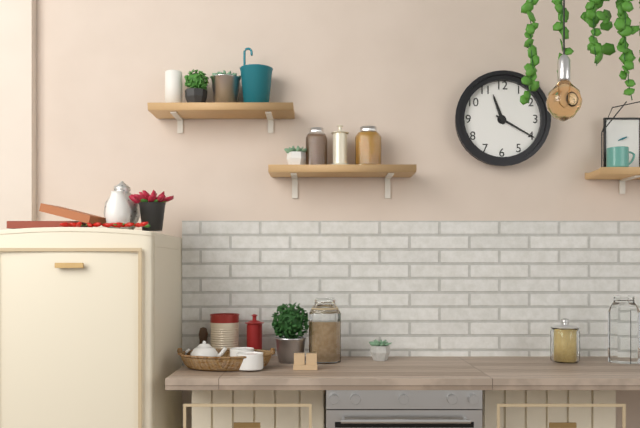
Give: 11h20
